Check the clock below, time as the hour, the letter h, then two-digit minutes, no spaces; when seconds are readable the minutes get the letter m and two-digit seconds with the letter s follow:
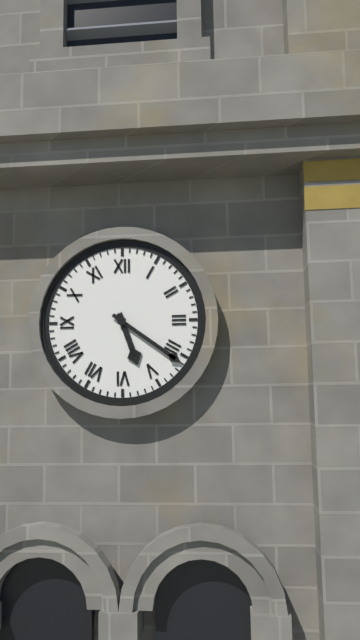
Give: 5h21
